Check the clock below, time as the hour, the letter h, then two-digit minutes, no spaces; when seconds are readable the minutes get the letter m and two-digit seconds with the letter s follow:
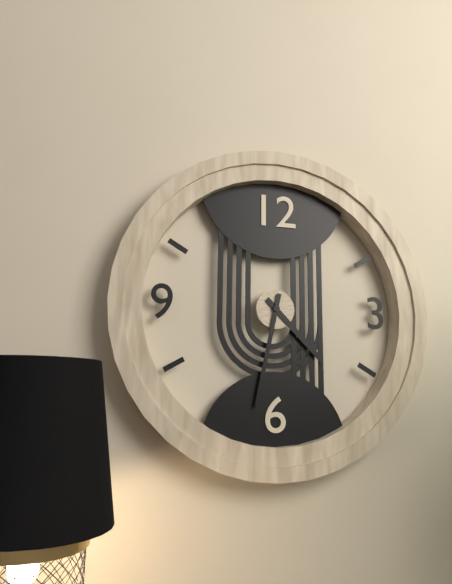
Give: 4h32
